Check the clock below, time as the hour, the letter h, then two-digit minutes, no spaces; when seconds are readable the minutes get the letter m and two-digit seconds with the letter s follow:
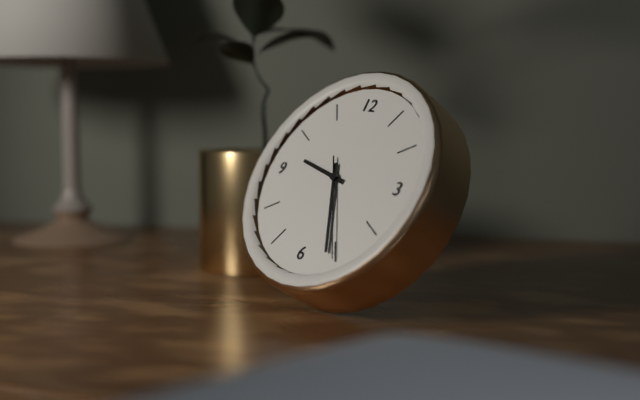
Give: 9h26m25s
